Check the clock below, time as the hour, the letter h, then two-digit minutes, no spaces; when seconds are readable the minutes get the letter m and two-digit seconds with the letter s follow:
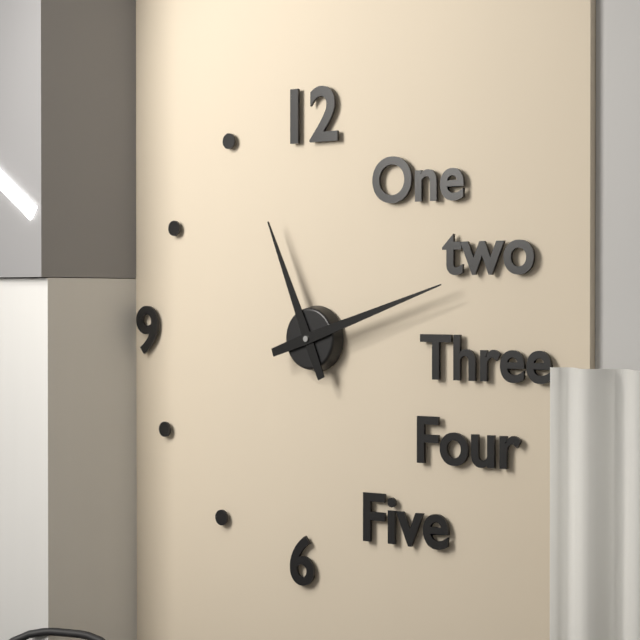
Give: 11h12
